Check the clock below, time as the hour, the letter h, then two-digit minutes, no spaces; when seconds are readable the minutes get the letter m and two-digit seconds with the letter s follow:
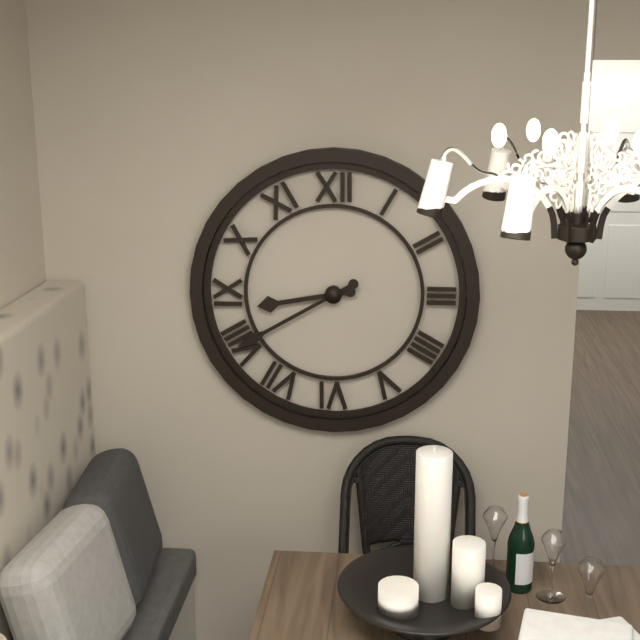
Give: 8h40
